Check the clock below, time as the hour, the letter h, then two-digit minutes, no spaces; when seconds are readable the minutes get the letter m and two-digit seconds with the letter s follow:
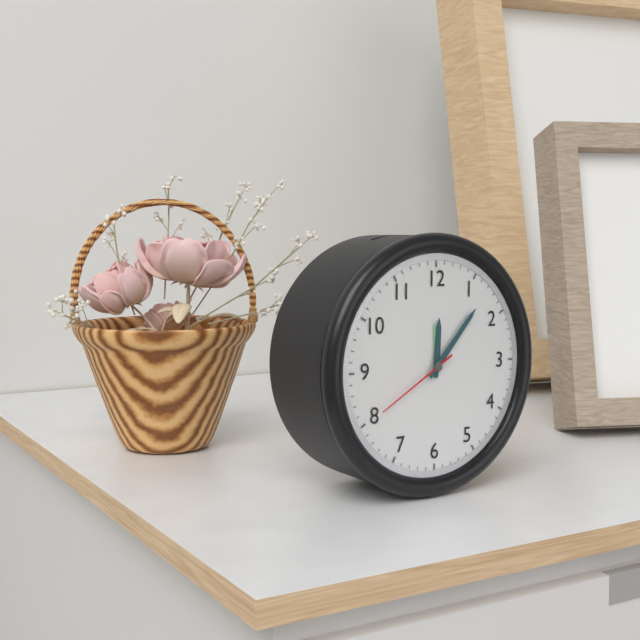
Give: 12h07m40s
